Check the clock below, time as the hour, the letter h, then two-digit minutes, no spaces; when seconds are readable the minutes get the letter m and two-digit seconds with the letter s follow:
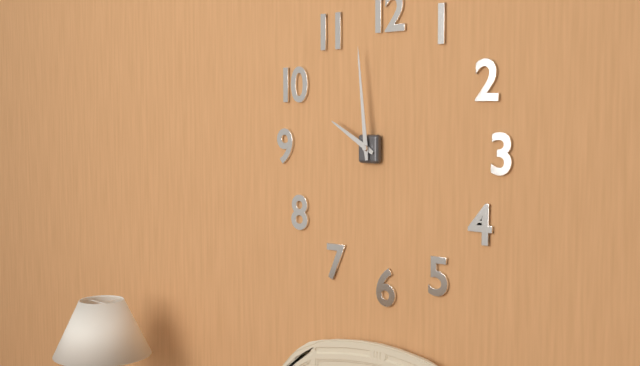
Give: 9h59
